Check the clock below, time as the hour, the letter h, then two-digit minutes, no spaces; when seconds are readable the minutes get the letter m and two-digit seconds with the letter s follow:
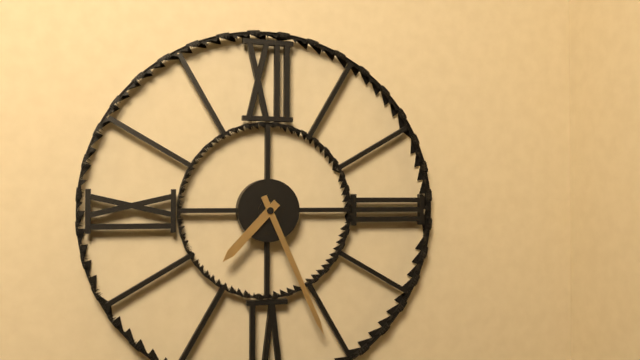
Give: 7h26
